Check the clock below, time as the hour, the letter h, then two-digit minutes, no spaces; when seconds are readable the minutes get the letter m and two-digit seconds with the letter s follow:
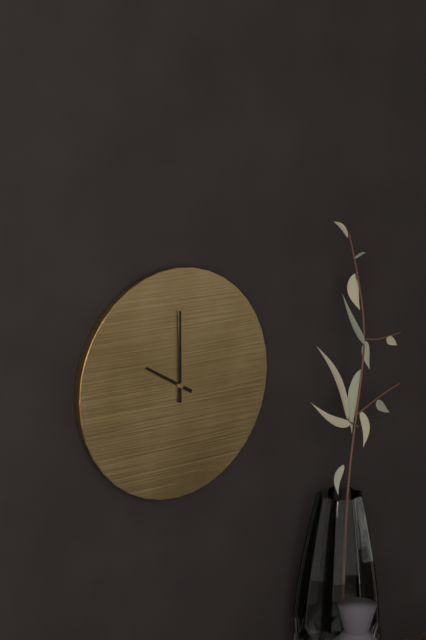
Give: 10h00
